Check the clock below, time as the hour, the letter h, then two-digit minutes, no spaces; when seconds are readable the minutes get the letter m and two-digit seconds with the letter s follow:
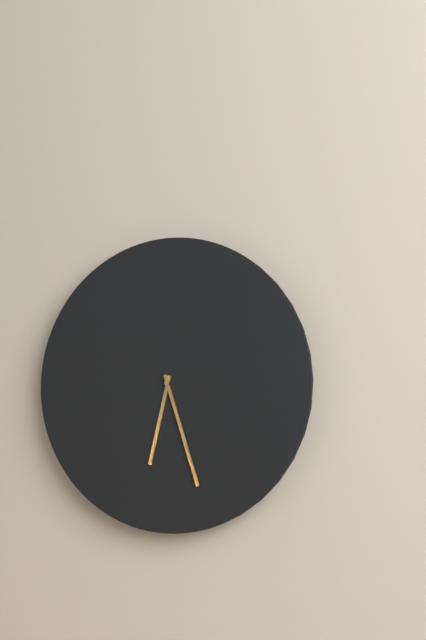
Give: 6h27
